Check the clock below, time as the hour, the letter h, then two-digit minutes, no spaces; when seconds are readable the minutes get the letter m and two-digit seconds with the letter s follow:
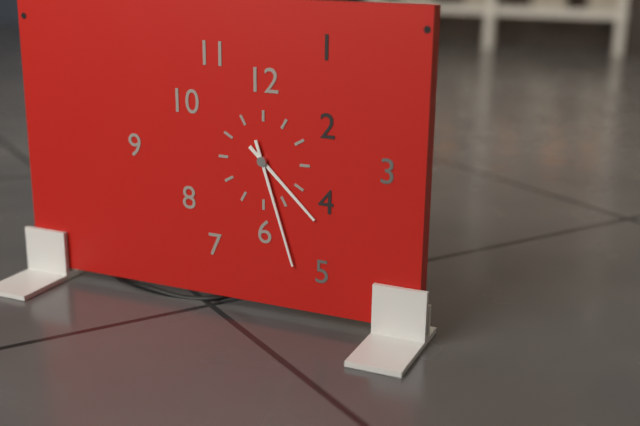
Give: 4h27
